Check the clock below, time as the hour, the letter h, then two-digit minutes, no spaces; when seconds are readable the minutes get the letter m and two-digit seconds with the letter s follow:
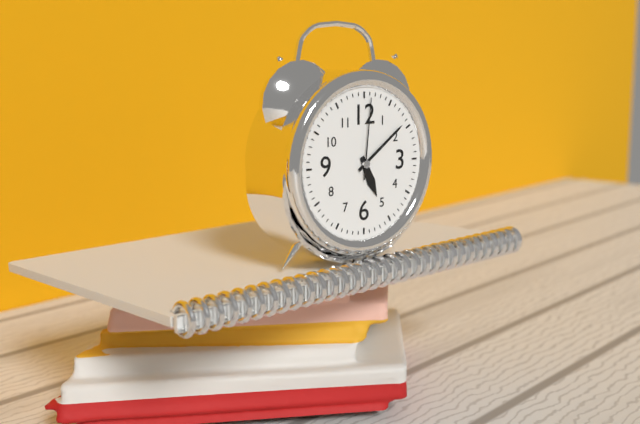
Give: 5h09m01s
